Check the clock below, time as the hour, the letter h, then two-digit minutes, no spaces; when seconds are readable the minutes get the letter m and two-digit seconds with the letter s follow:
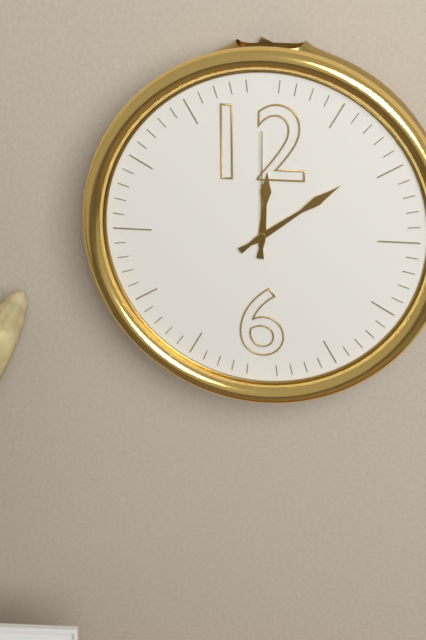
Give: 12h09m00s
